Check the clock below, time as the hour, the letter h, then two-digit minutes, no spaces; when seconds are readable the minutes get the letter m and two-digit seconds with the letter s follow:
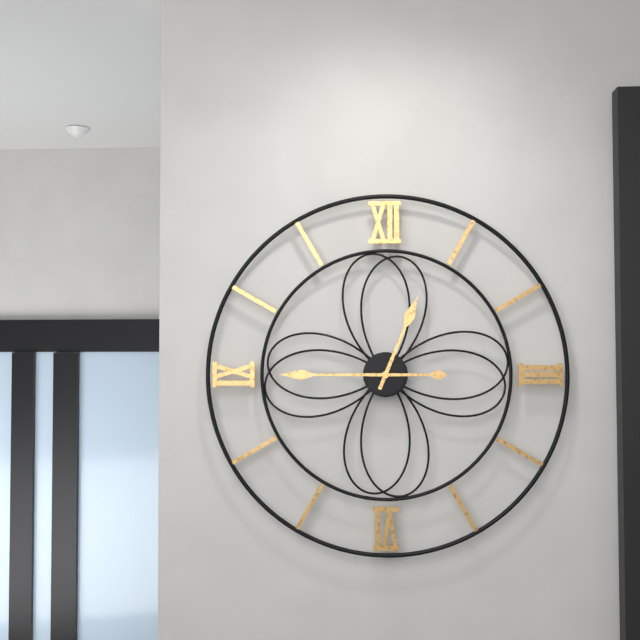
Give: 12h45
